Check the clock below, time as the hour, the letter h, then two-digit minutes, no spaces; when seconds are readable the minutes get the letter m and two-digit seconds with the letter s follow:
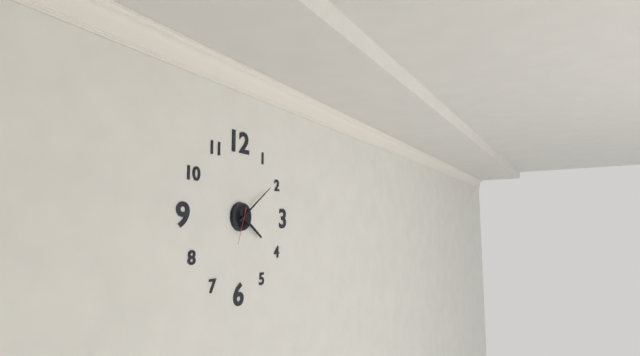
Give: 4h09
